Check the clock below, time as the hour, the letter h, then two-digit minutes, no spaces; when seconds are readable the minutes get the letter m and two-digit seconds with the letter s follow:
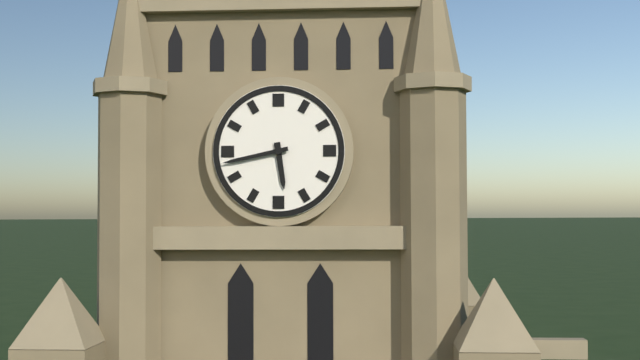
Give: 5h43
